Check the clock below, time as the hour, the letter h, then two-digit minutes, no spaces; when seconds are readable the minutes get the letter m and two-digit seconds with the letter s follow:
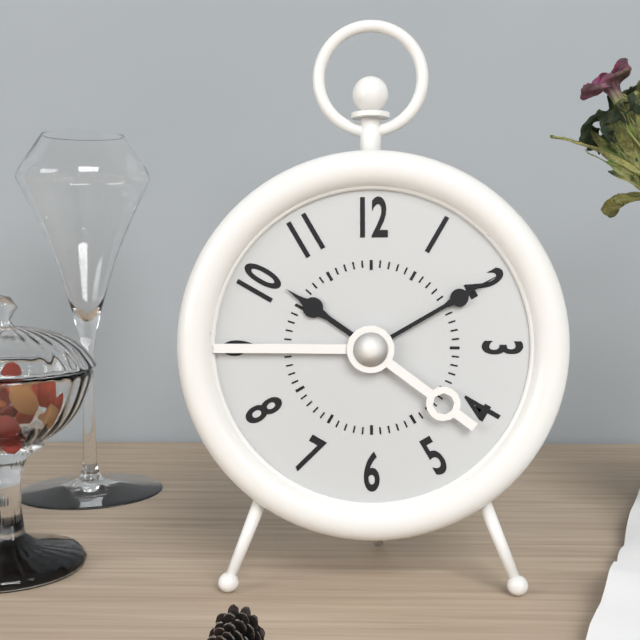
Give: 10h10
